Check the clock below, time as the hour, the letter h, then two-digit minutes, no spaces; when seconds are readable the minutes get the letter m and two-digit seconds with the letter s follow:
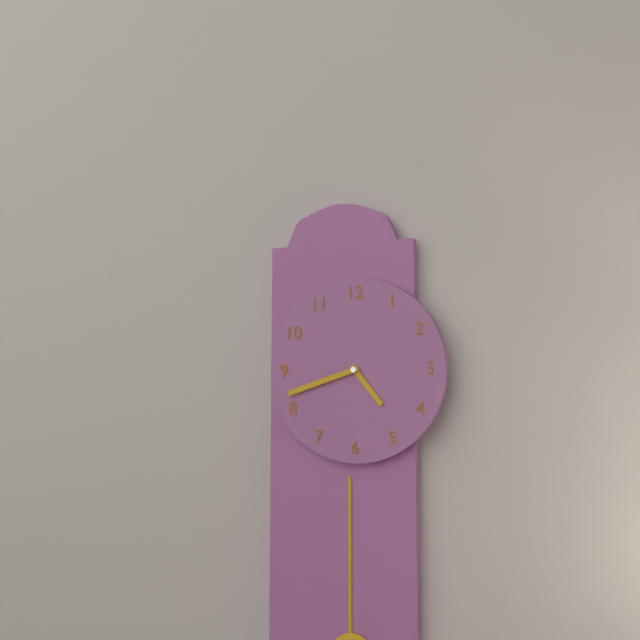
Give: 4h42
